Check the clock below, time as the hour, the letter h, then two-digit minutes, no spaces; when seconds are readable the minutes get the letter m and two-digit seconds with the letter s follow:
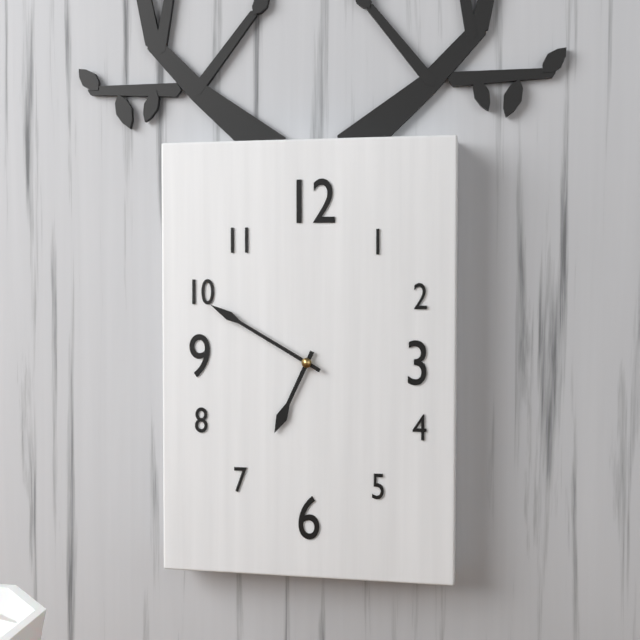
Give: 6h50
